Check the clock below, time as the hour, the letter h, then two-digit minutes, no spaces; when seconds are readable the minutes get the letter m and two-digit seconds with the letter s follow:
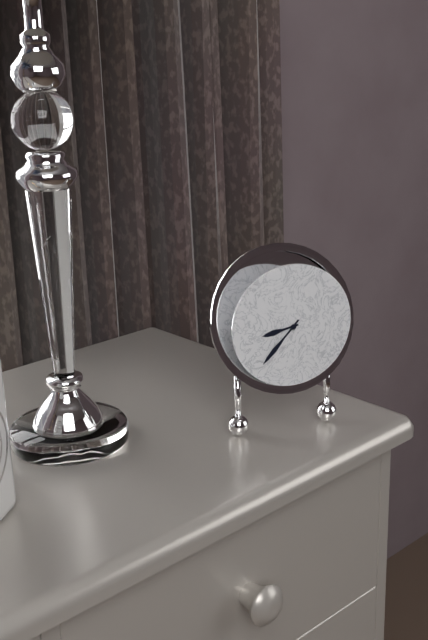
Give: 8h37
